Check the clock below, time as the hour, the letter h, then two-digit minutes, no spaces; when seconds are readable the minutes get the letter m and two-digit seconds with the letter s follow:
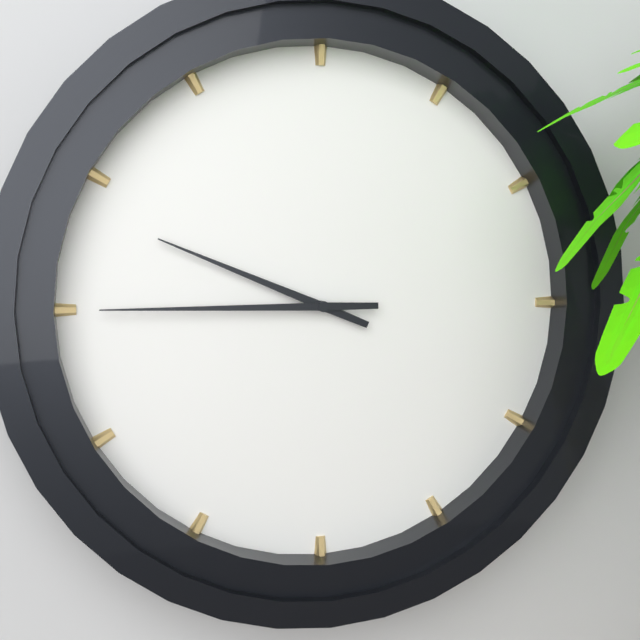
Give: 9h45
